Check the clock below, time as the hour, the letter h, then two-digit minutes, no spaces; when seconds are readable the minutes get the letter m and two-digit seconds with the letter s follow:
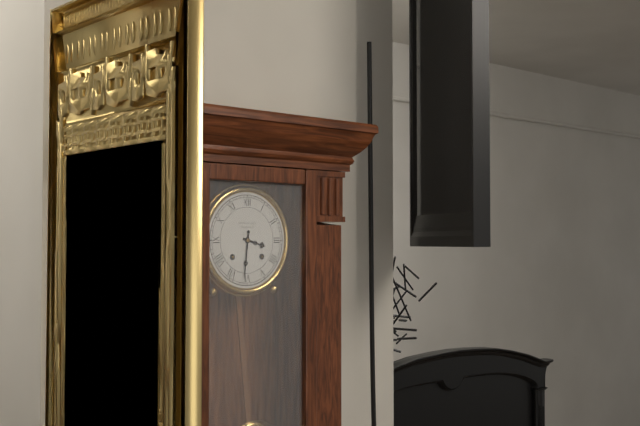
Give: 3h31
